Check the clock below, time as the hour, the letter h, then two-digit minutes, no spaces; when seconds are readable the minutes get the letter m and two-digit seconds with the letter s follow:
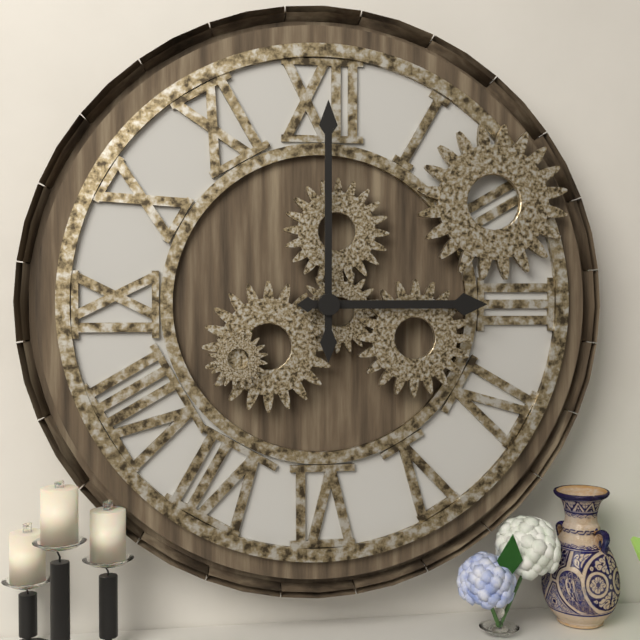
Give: 3h00
